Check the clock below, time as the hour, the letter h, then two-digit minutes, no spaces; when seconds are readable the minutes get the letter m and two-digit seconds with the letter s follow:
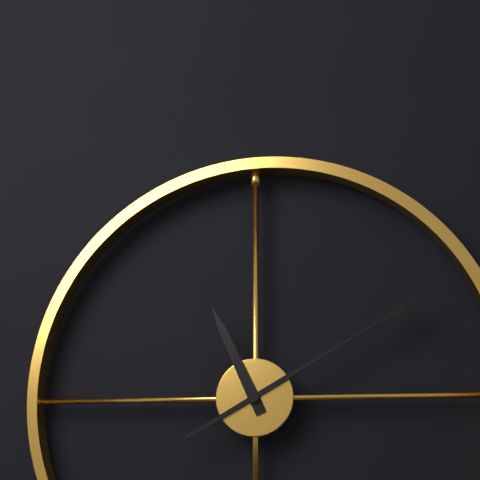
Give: 11h10
